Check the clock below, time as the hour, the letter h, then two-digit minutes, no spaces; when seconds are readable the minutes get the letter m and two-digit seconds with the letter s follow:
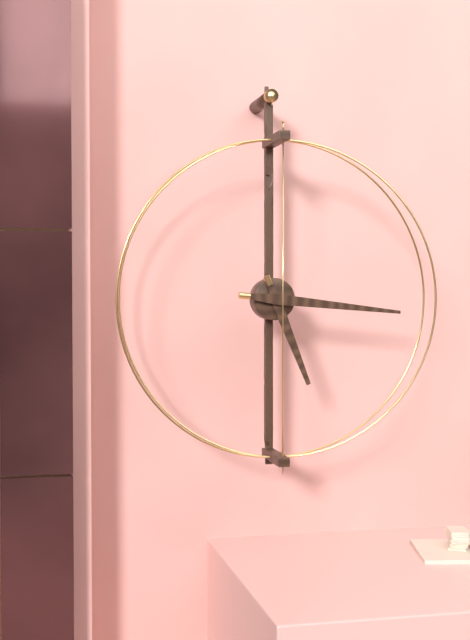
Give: 5h16
